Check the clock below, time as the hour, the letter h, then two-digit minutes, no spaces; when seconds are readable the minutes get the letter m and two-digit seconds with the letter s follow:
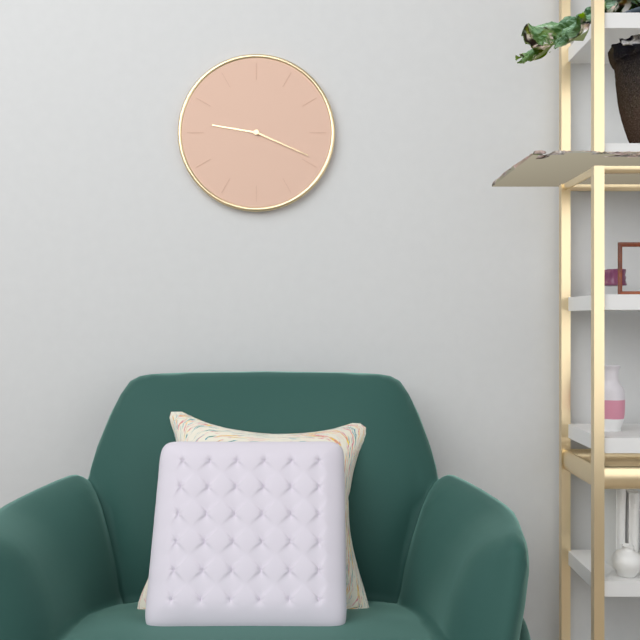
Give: 9h19
